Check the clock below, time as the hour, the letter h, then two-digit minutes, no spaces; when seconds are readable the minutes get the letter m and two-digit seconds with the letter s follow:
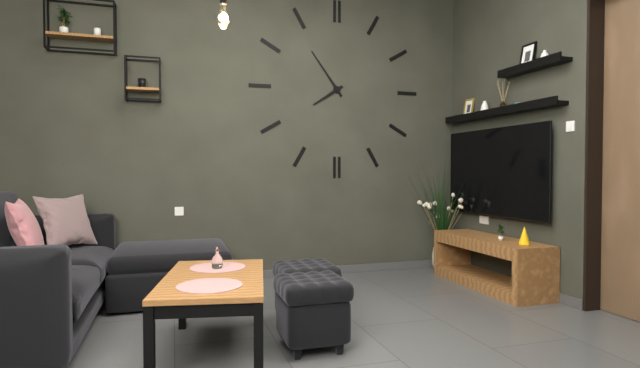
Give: 7h54
